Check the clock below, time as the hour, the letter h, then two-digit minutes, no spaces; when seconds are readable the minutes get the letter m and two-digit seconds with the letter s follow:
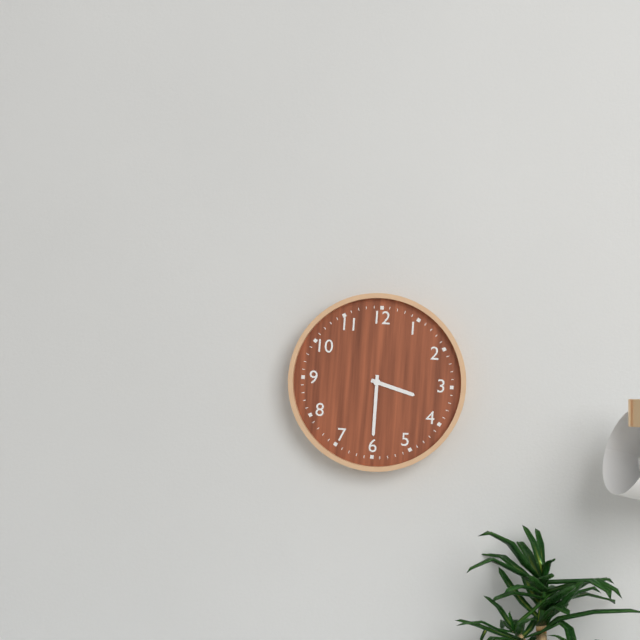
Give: 3h30
